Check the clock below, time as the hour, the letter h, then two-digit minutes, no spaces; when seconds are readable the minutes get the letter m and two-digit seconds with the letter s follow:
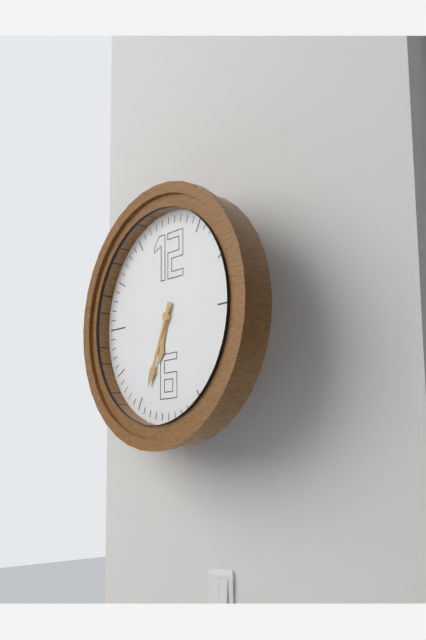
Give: 6h34
